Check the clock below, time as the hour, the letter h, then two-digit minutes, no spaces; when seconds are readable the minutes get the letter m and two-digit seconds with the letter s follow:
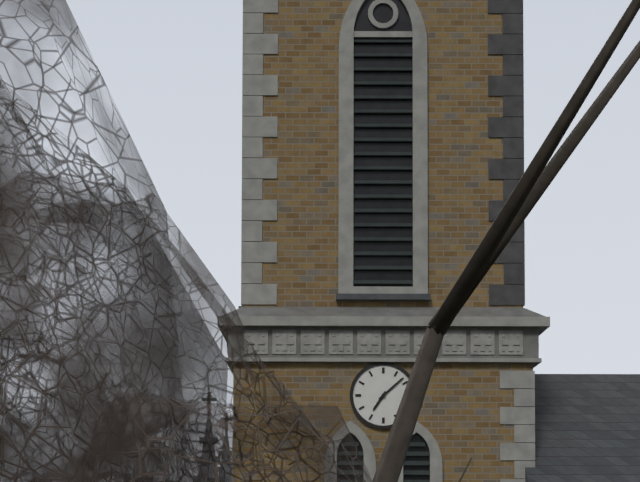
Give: 7h08
